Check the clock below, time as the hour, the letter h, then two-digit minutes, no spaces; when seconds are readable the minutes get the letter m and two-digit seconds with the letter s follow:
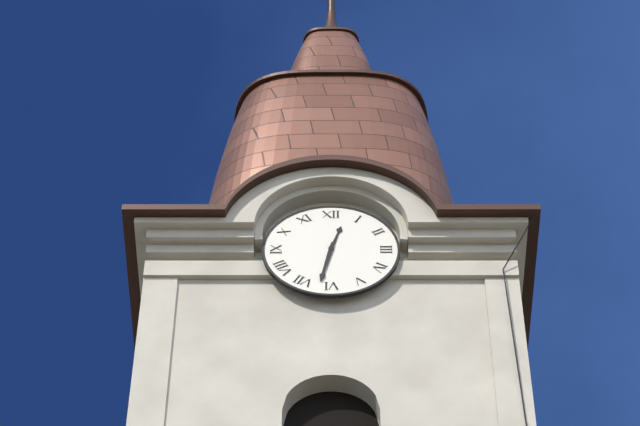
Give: 12h32
